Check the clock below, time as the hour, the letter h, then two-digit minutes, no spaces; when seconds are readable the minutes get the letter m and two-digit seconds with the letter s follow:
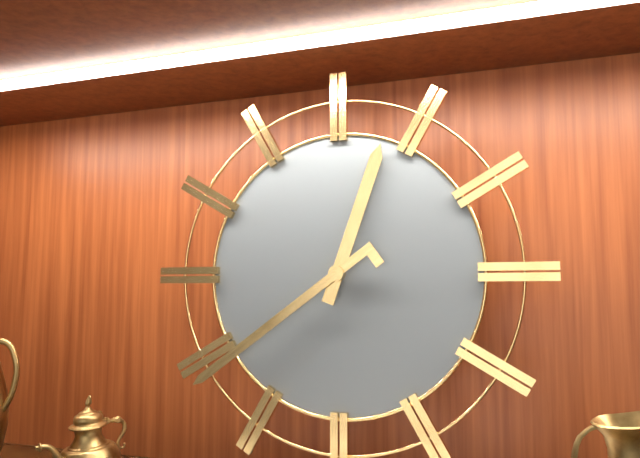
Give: 12h39
